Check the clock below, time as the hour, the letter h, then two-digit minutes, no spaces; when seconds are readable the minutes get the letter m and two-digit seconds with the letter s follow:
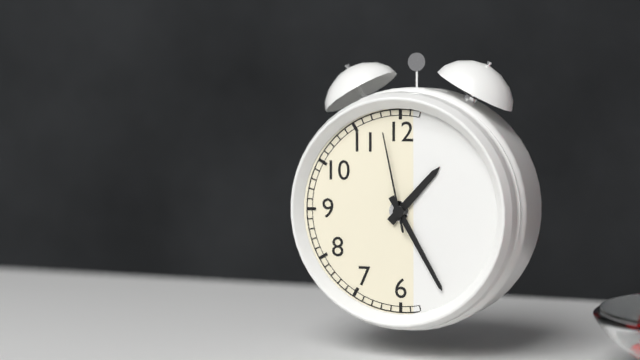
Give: 1h25m58s
